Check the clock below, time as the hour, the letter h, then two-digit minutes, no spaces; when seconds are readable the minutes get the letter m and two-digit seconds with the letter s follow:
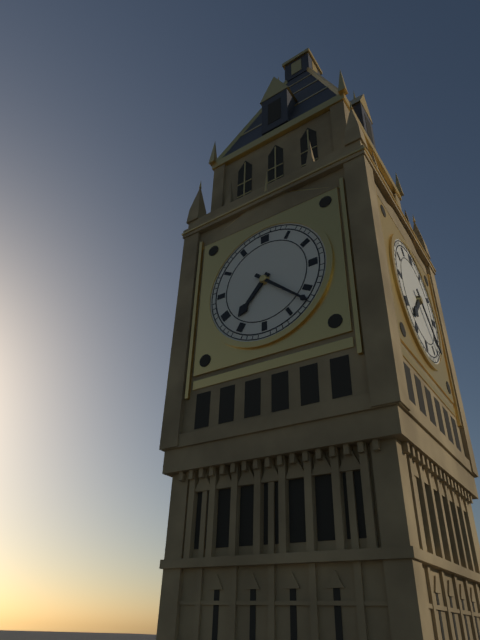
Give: 7h22
